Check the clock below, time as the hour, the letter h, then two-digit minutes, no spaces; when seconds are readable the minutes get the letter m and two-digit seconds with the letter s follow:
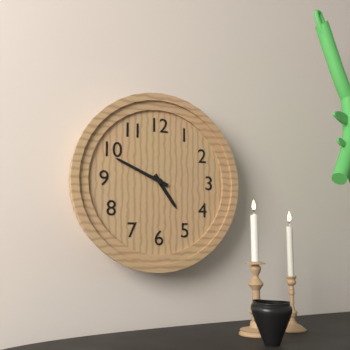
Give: 4h49
